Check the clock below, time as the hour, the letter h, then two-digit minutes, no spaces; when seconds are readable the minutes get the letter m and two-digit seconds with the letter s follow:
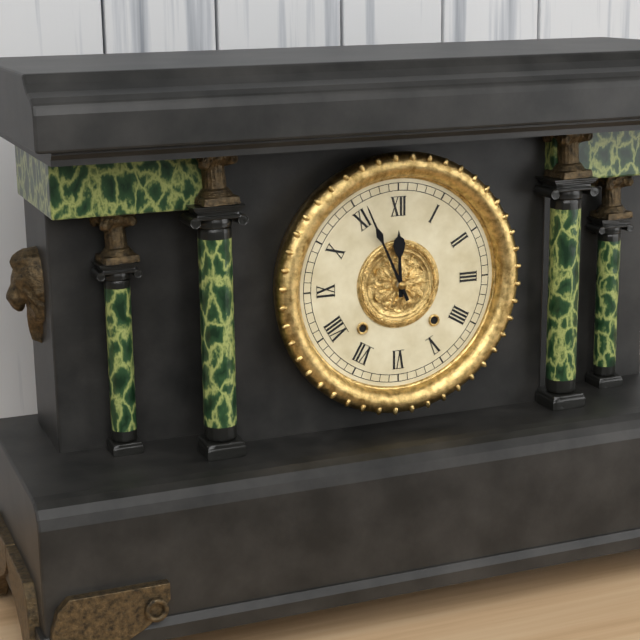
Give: 11h56
